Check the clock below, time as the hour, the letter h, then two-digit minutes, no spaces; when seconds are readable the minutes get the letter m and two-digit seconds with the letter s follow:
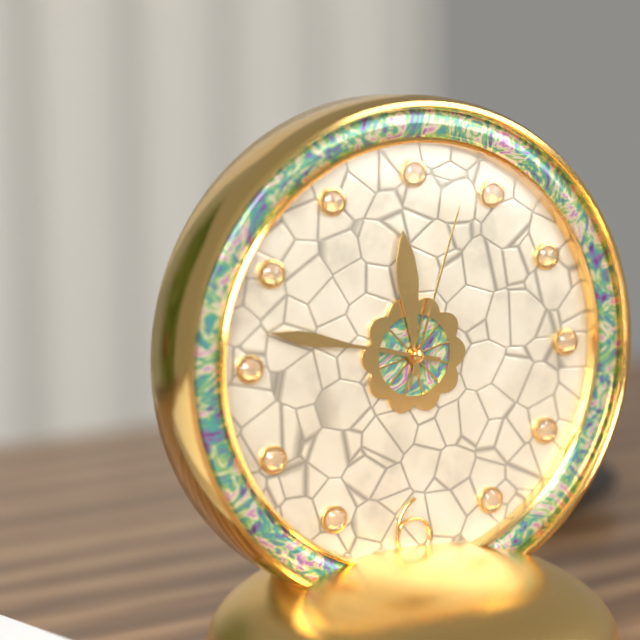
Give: 11h47m03s
